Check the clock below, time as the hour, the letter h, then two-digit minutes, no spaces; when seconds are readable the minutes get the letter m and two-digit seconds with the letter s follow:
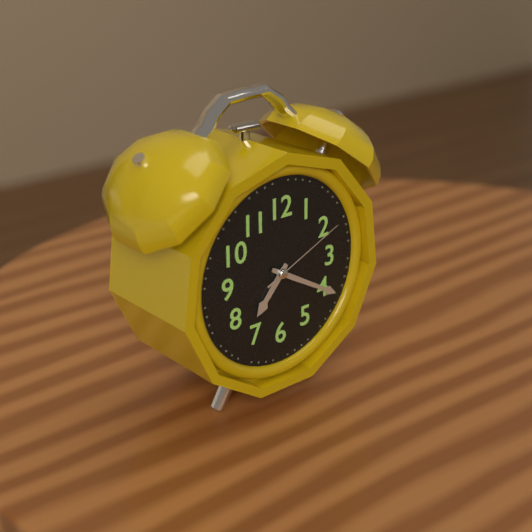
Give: 7h20m11s
